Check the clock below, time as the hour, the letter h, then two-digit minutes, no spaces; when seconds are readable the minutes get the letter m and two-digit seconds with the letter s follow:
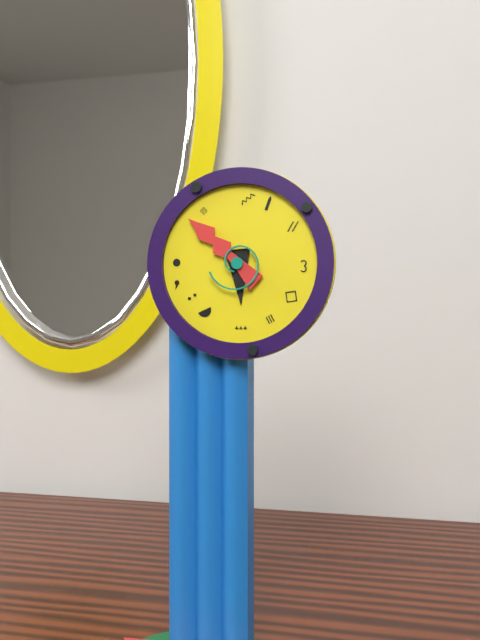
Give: 5h52
